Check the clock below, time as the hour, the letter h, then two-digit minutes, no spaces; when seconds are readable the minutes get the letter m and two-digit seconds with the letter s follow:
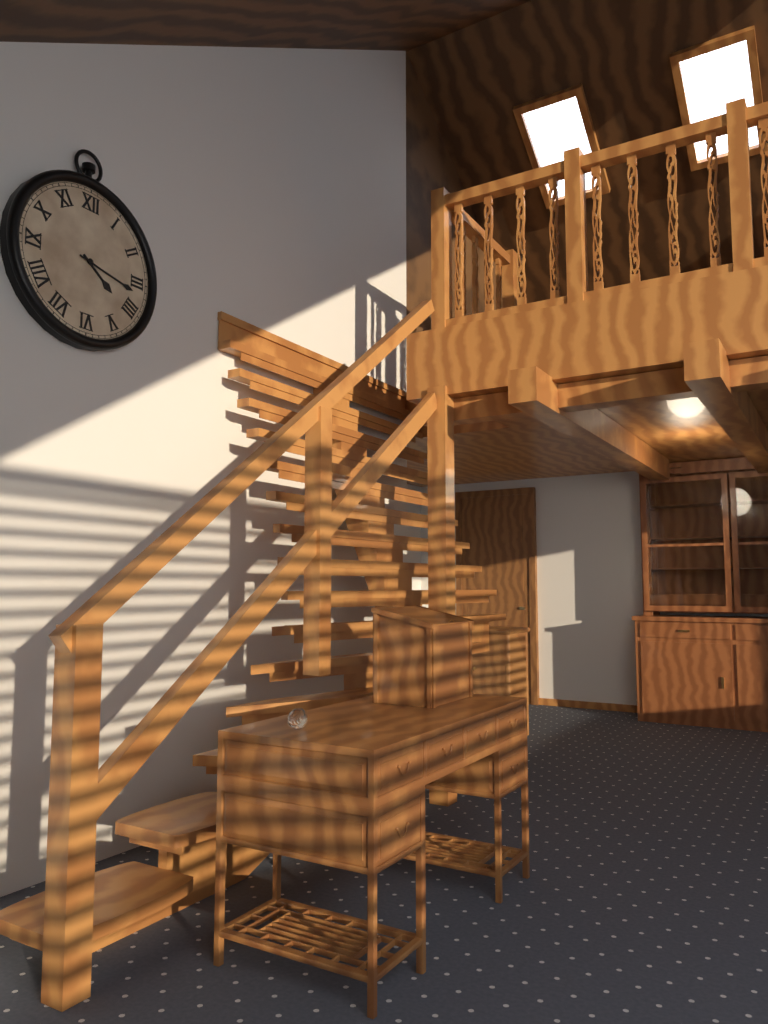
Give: 4h17
